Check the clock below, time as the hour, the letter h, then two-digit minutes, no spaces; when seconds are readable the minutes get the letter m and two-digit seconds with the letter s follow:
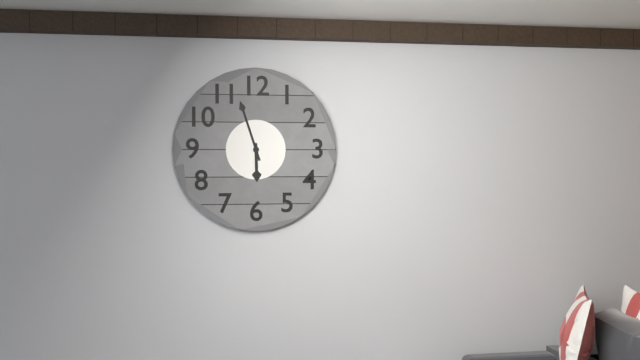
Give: 5h57
